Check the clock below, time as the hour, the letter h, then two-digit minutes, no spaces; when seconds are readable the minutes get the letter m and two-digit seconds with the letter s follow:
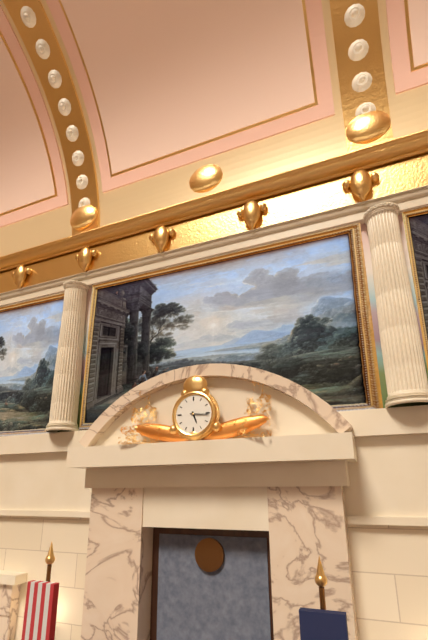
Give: 5h16
